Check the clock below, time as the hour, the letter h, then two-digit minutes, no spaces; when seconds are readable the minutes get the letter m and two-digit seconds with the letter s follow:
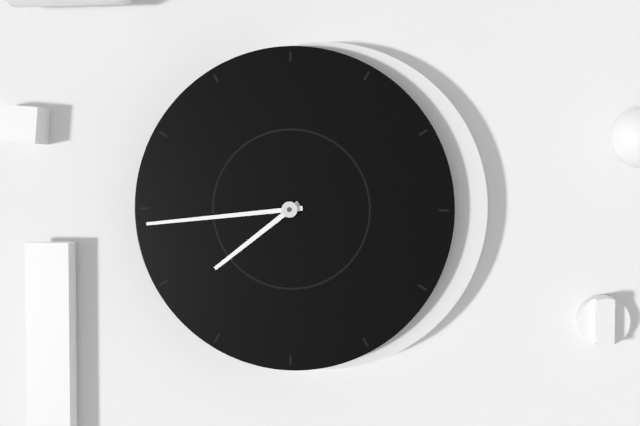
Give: 7h44
